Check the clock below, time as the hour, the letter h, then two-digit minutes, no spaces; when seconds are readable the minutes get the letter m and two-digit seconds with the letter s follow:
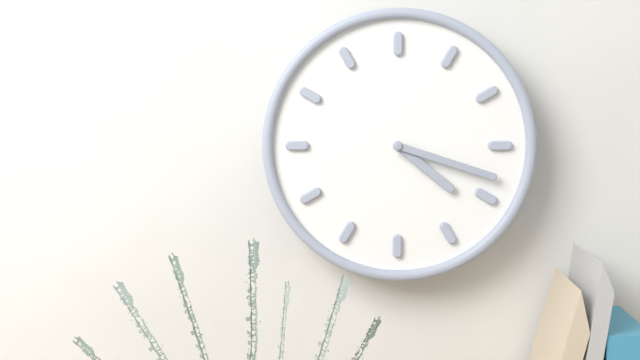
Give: 4h18
